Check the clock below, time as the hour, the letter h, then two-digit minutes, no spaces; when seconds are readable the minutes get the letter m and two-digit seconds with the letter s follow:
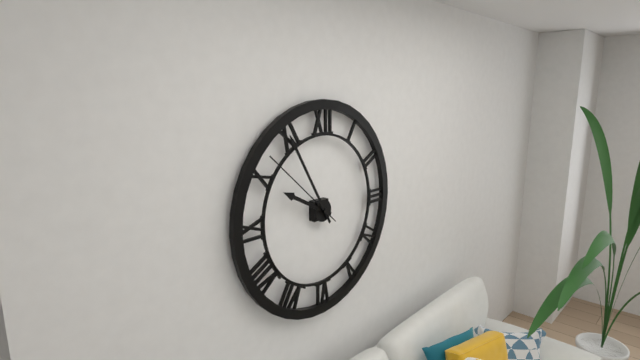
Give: 9h55m52s
